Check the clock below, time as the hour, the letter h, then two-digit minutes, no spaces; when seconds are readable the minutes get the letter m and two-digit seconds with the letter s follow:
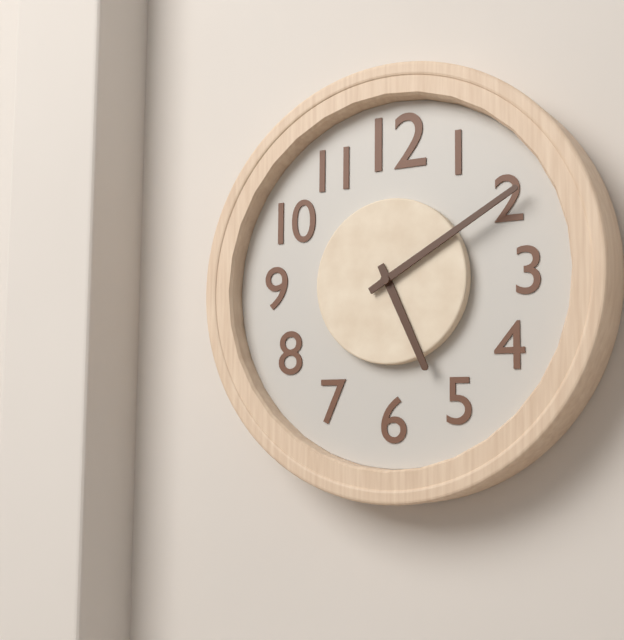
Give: 5h10
